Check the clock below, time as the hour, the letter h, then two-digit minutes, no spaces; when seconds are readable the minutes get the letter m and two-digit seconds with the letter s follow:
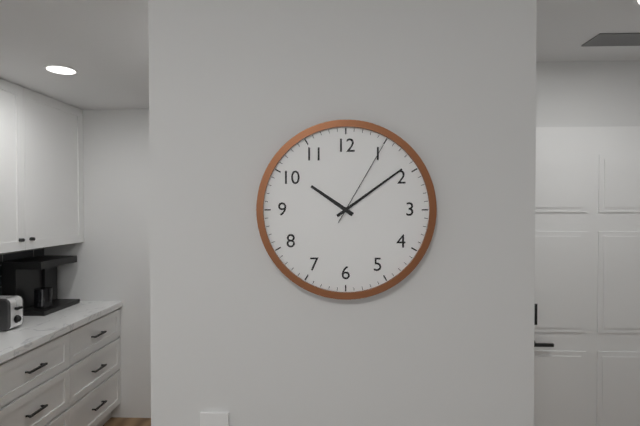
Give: 10h09m05s
